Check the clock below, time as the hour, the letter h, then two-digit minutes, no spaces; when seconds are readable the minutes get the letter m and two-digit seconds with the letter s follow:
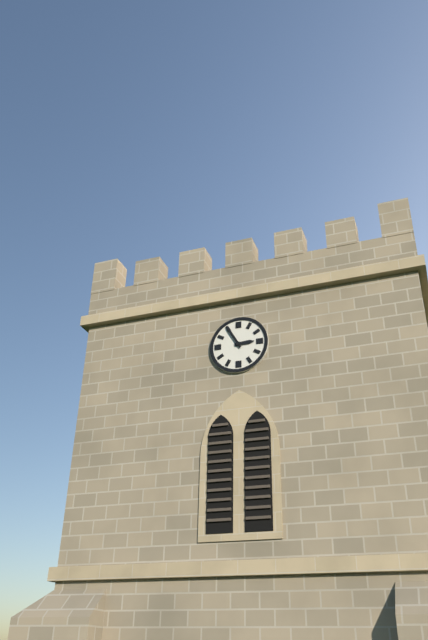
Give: 2h55
